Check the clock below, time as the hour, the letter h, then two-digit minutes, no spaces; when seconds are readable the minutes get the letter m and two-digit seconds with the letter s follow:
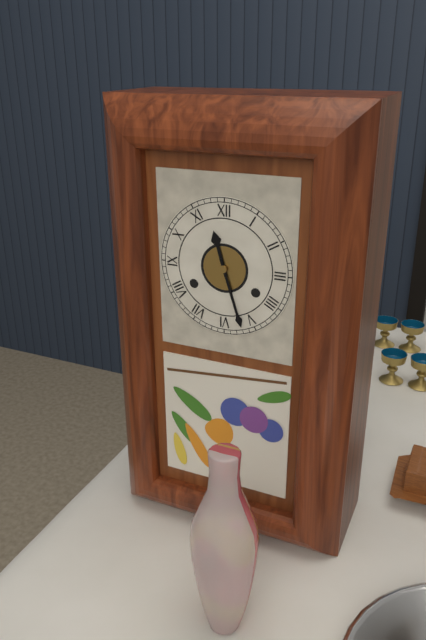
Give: 11h27
